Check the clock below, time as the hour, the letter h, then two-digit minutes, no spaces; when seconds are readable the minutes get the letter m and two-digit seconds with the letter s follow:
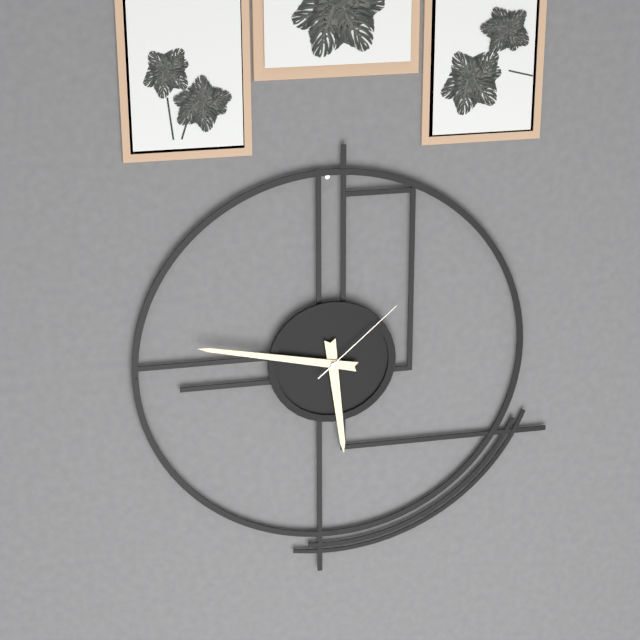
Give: 5h47m08s
